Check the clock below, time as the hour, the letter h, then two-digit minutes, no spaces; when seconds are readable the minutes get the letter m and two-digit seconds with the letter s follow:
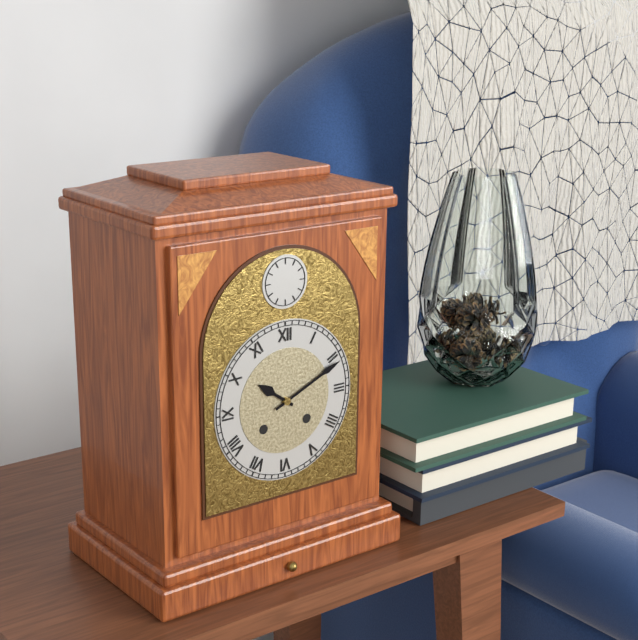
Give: 10h11
